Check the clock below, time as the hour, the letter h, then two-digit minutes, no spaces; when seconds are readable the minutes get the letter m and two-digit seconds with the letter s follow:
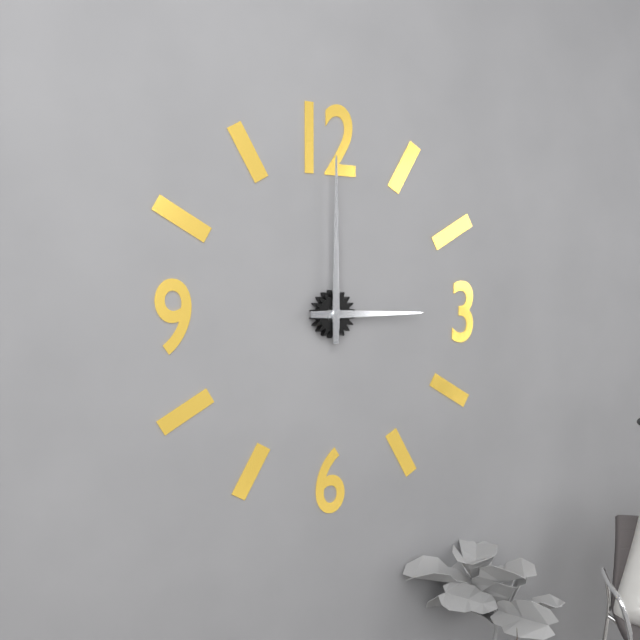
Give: 3h00
